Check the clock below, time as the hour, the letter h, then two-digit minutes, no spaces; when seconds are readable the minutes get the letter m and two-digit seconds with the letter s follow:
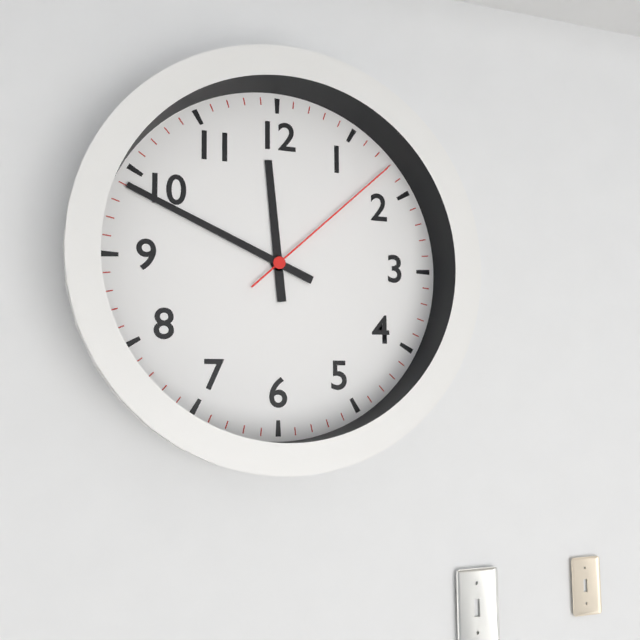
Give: 11h49m08s
